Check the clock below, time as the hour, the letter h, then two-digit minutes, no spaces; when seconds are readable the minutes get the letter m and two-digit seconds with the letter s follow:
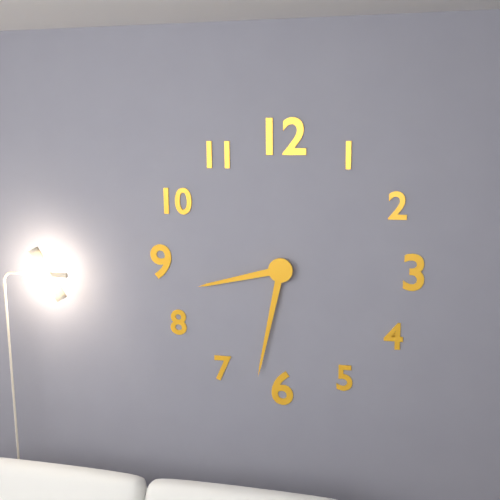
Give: 8h32
